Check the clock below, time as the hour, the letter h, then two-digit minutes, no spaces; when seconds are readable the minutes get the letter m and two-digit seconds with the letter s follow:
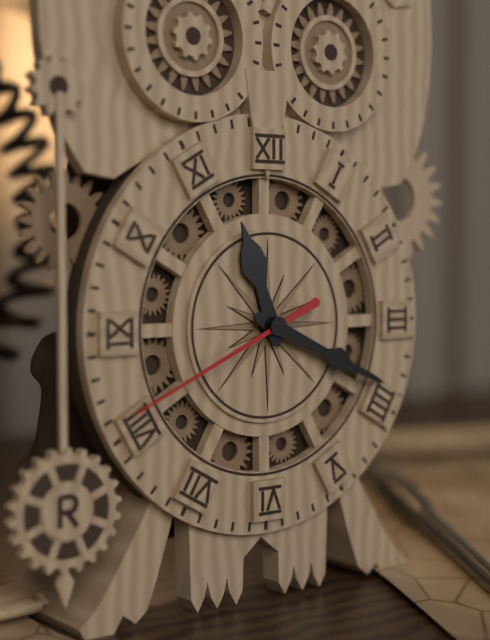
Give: 11h19m41s
